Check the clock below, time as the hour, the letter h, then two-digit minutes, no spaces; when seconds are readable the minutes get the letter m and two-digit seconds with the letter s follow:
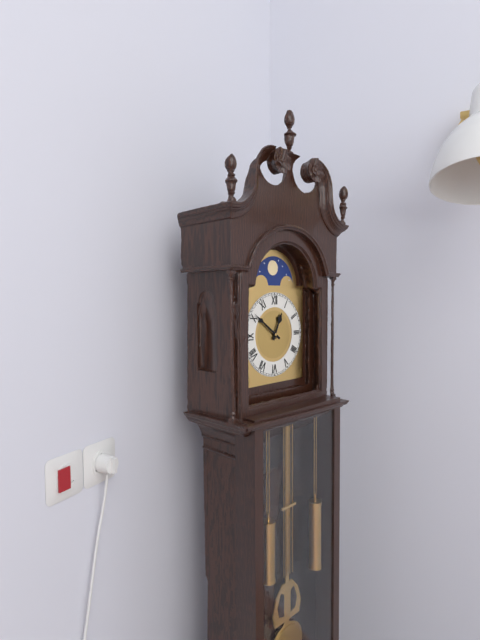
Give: 12h51
